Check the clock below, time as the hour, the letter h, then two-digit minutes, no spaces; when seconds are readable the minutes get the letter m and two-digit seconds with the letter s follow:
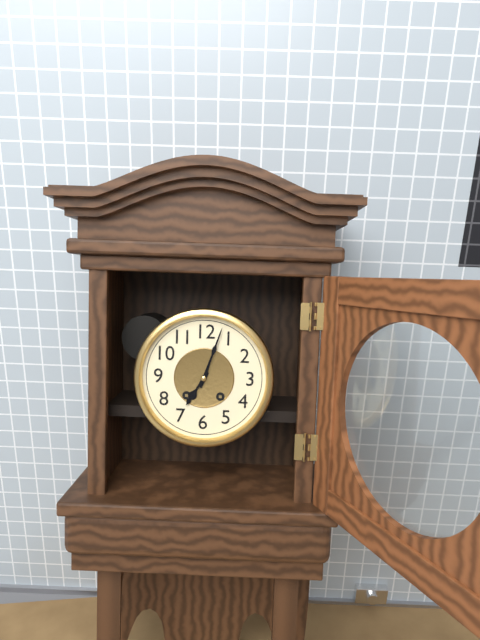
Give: 7h03
